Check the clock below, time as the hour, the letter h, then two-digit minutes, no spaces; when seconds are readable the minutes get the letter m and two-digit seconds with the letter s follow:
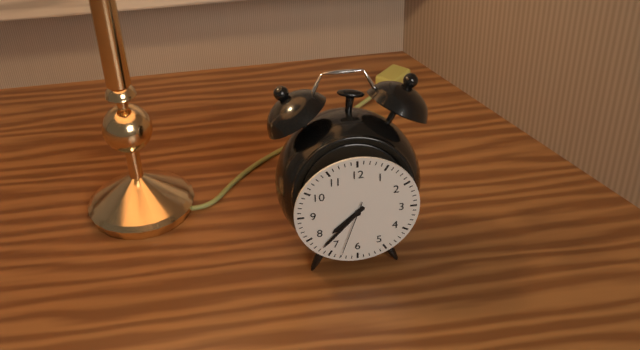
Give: 7h37m33s
